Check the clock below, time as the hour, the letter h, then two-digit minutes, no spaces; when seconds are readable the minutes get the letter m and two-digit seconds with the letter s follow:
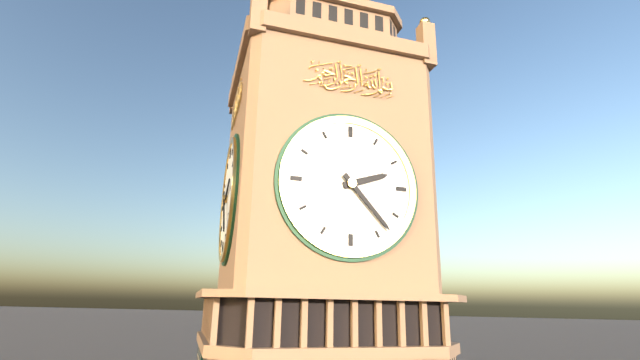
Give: 2h23
